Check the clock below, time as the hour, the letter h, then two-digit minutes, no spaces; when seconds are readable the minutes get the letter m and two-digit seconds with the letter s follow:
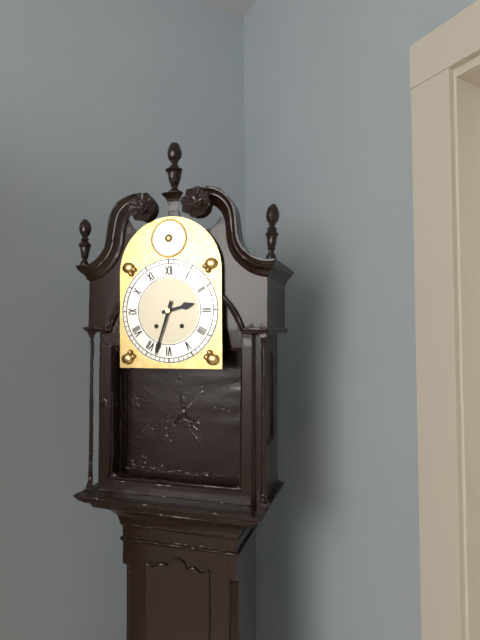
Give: 2h33
